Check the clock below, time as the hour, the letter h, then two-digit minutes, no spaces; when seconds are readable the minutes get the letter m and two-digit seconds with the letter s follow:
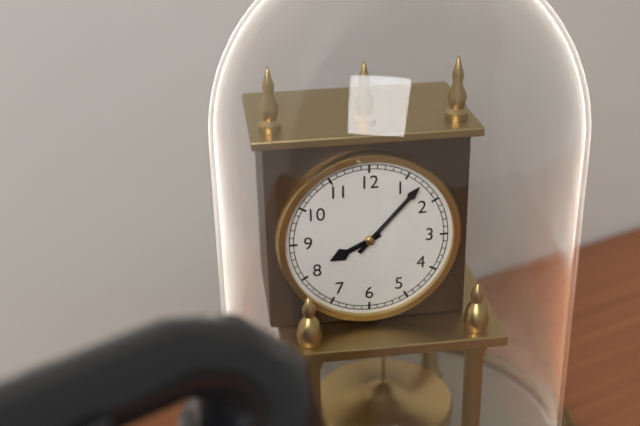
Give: 8h07
